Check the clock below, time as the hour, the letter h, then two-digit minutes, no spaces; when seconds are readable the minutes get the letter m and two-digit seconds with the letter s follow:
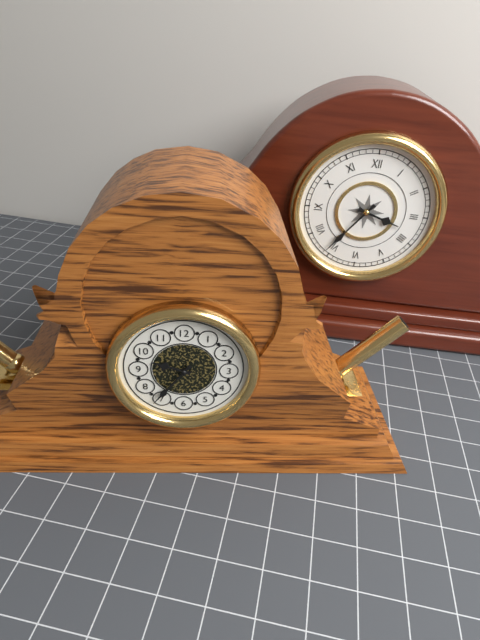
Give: 9h36
